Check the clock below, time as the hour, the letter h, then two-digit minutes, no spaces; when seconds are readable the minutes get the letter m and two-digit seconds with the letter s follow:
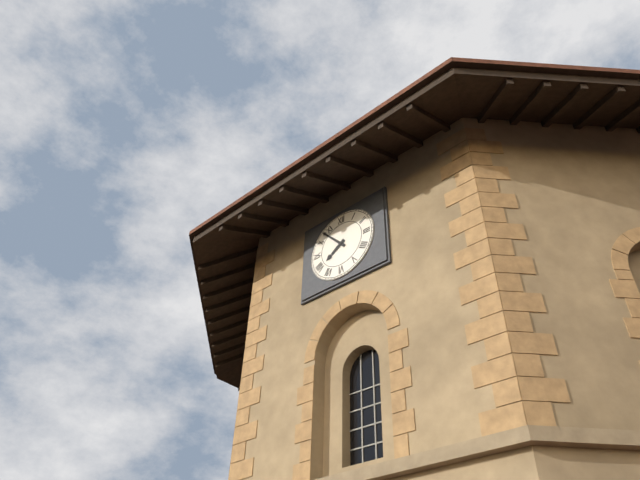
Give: 7h53
